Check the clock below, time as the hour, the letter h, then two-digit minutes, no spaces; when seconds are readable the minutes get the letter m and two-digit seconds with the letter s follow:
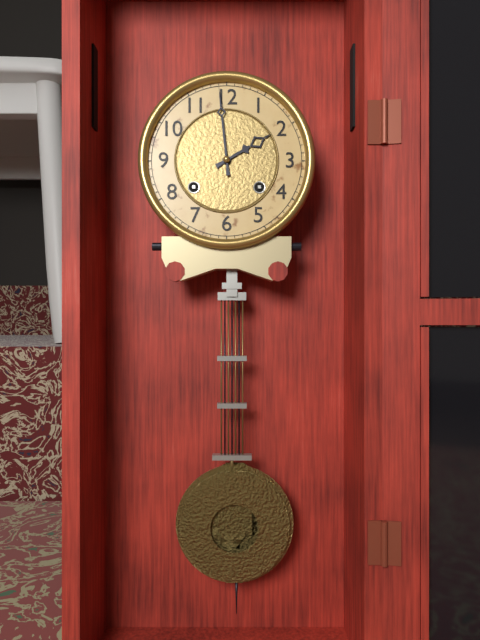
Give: 1h59
